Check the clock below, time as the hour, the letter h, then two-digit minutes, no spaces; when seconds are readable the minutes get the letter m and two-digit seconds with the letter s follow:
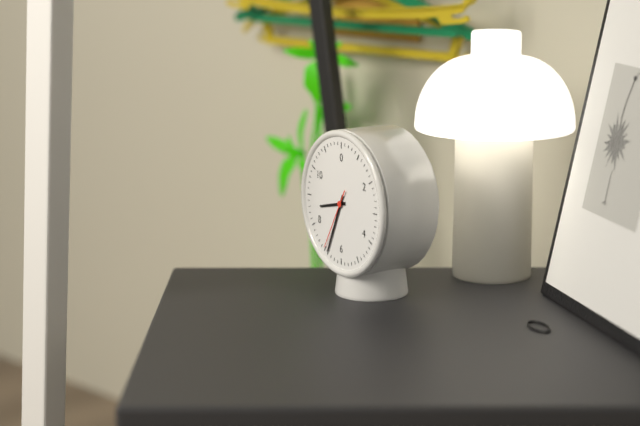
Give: 8h34m35s
